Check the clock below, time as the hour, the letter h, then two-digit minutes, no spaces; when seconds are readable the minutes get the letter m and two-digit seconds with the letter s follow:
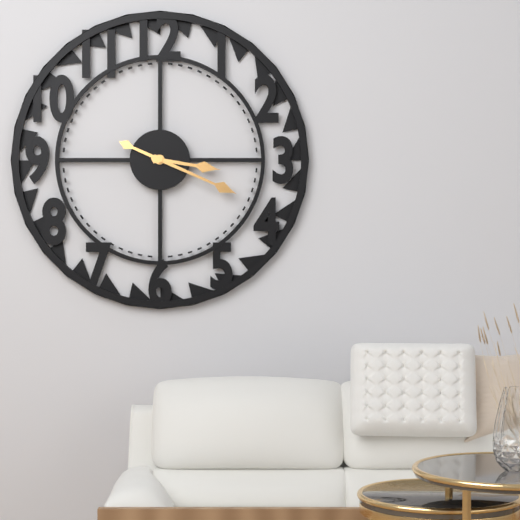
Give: 3h19
